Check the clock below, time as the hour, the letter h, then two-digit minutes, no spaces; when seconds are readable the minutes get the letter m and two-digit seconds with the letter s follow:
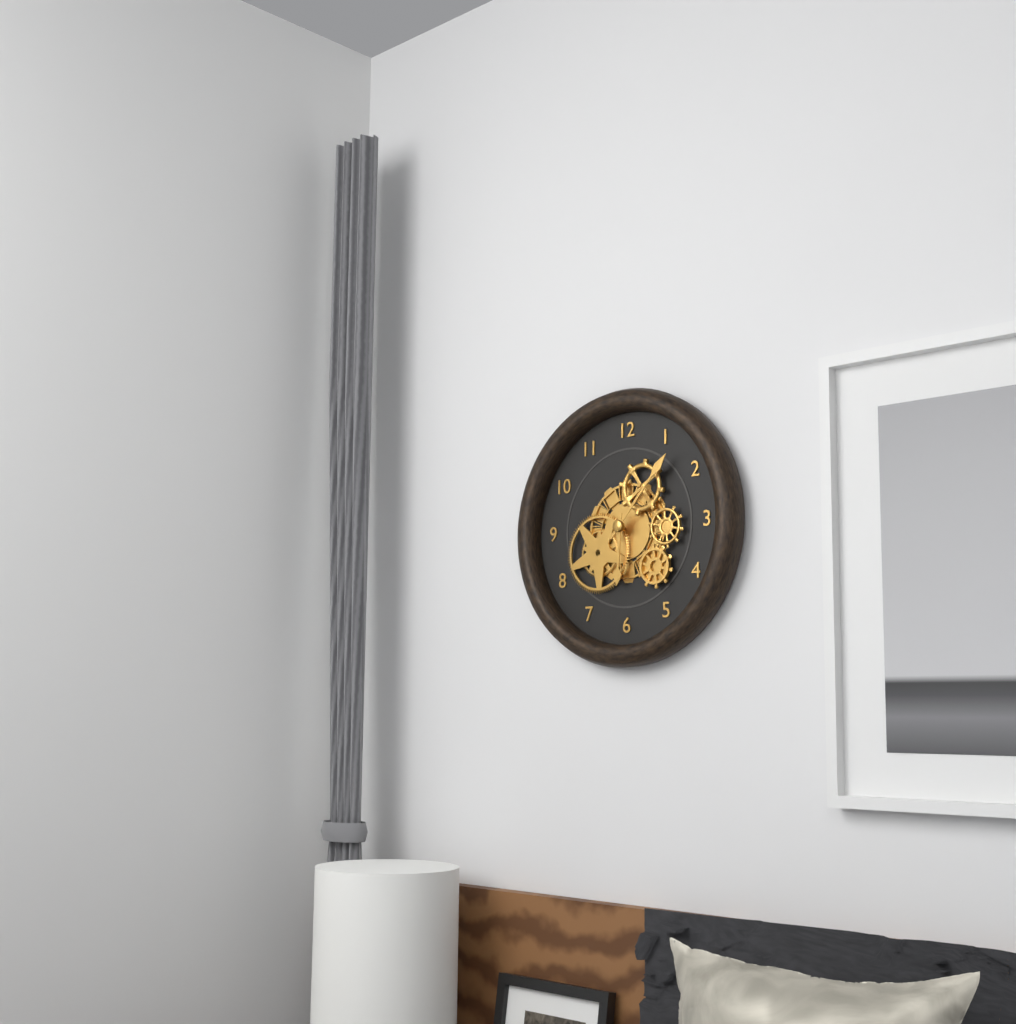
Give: 6h07
